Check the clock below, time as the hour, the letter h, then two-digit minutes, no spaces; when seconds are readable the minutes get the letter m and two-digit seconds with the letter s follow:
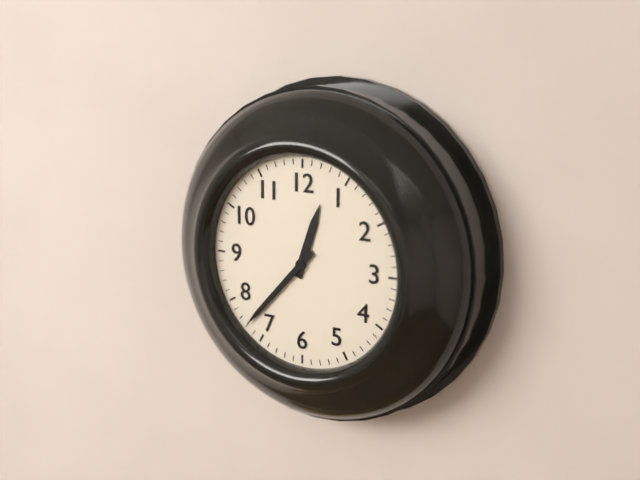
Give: 12h37
